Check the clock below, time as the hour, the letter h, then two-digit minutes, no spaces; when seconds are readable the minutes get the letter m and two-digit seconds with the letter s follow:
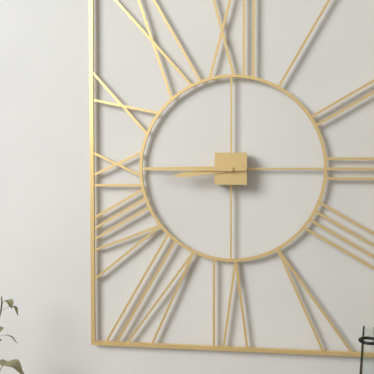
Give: 8h45
